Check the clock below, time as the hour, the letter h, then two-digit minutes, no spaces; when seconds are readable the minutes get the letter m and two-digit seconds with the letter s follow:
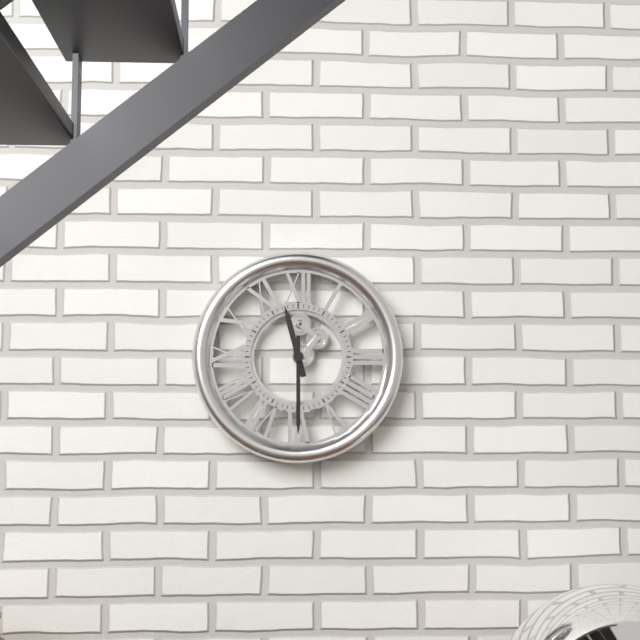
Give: 11h30
